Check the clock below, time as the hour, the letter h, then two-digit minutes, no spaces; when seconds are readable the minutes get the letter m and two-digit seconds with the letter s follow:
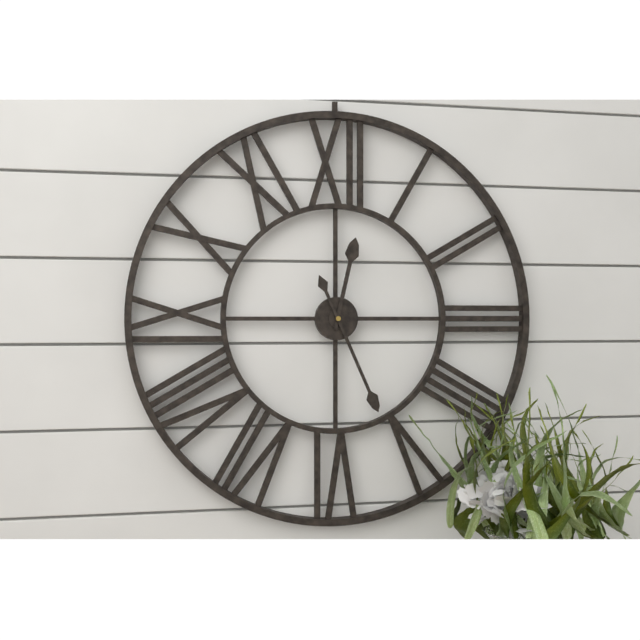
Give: 12h26
